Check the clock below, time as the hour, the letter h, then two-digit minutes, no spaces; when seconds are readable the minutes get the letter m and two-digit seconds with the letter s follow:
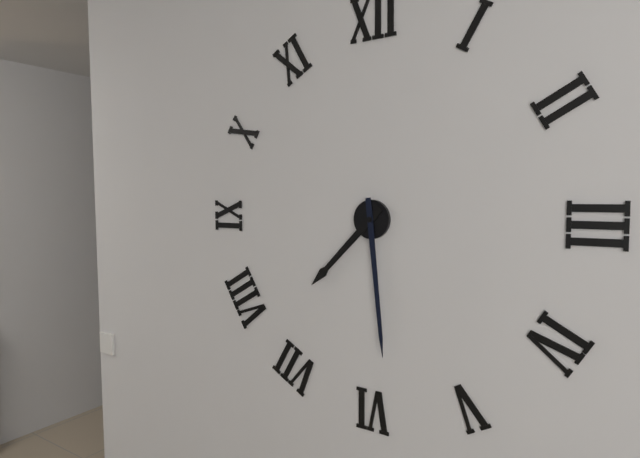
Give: 7h29
